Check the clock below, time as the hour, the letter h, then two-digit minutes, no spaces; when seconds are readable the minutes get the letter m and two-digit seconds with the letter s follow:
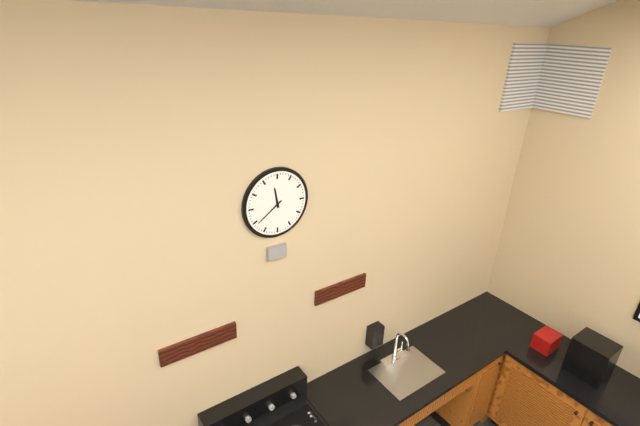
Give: 11h39
